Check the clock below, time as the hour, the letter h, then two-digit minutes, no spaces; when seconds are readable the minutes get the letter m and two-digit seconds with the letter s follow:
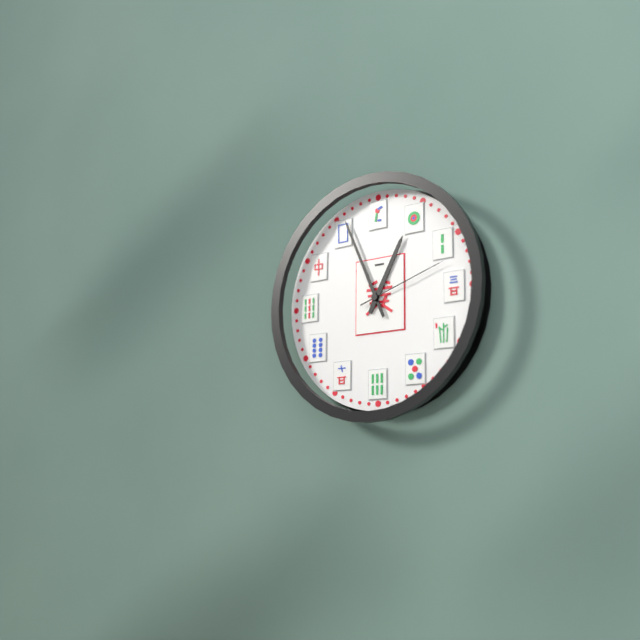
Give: 12h56m12s
